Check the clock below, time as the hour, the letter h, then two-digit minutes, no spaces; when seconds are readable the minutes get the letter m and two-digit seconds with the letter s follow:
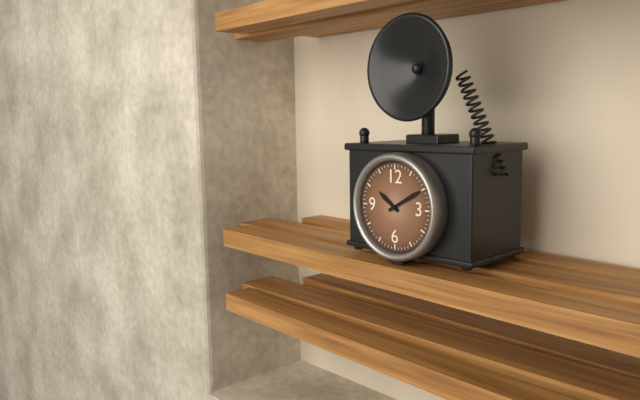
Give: 10h10
